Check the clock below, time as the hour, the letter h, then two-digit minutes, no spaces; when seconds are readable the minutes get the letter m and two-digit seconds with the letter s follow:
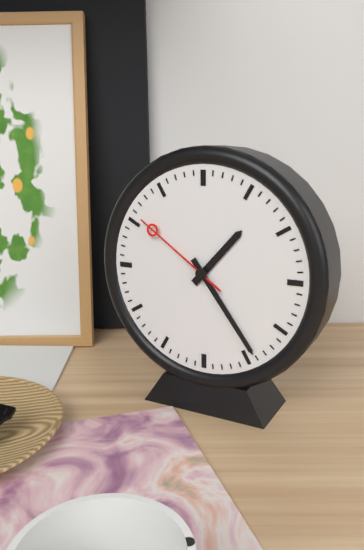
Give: 1h24m51s
